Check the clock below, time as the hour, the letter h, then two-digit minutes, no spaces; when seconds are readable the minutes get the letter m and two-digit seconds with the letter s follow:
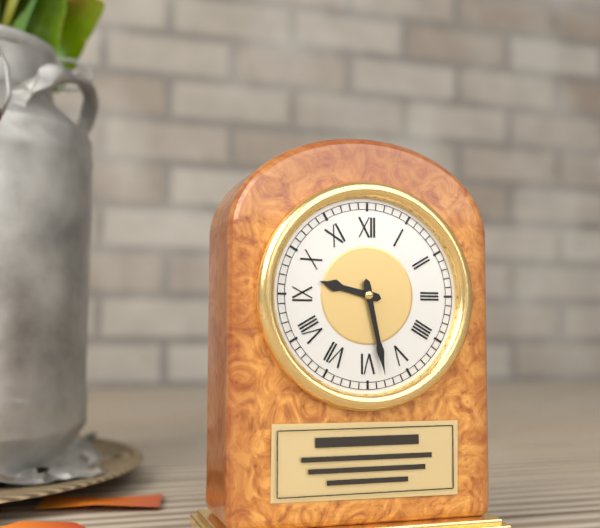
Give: 9h28
